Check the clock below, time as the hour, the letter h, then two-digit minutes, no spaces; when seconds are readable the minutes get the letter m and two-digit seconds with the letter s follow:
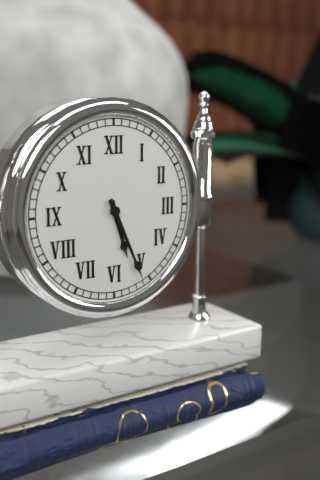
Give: 5h26
